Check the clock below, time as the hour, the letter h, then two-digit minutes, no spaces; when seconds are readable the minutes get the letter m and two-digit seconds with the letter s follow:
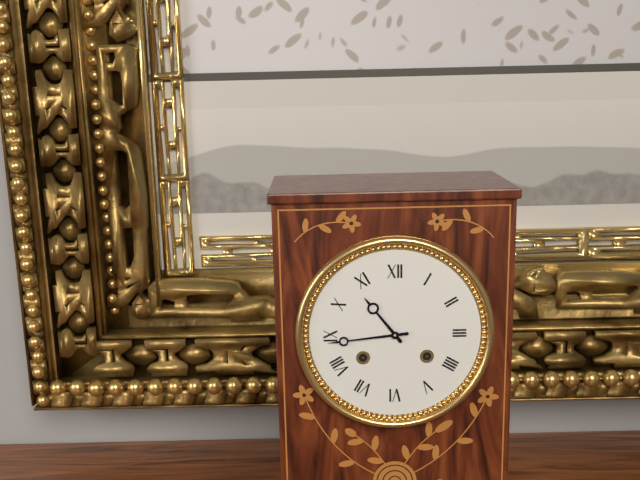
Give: 10h44
